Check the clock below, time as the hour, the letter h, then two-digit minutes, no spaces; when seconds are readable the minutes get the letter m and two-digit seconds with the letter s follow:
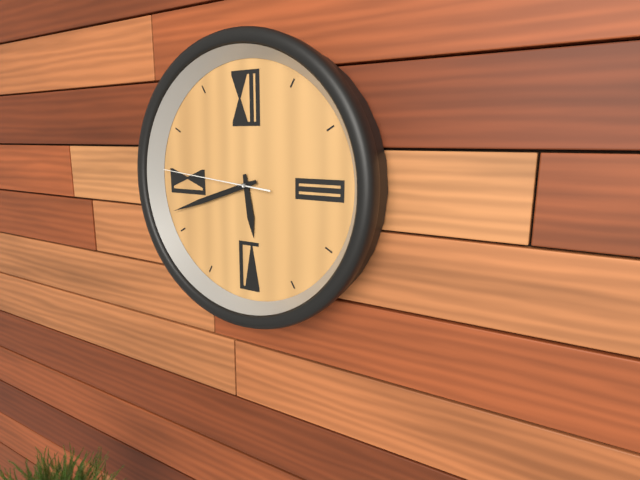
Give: 5h42m46s
